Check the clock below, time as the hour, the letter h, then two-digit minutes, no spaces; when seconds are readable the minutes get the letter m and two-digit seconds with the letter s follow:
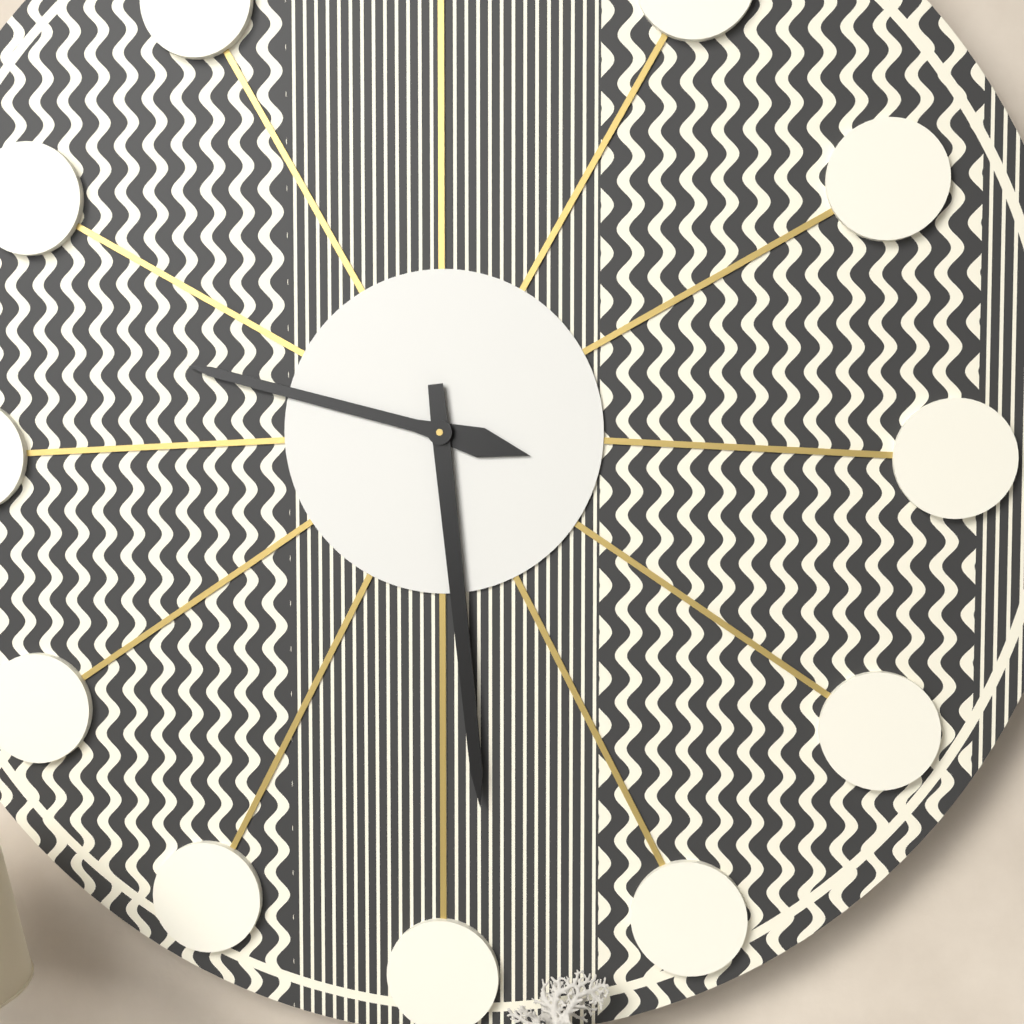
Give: 9h29
